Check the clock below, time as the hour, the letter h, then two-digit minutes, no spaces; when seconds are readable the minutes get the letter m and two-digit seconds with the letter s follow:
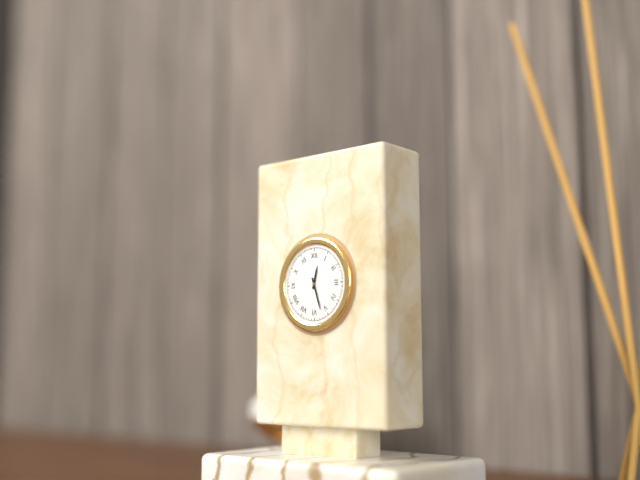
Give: 12h27
